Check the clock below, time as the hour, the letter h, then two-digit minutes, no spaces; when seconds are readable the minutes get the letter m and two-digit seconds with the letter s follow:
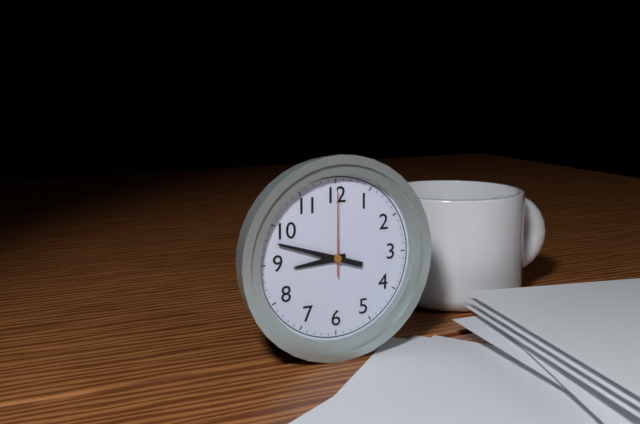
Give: 8h48m00s
